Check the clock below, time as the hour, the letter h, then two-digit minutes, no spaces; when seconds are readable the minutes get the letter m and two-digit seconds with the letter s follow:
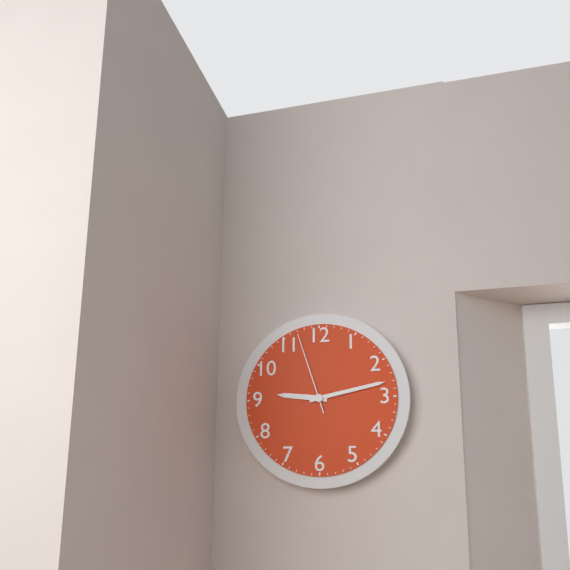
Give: 9h13m57s
